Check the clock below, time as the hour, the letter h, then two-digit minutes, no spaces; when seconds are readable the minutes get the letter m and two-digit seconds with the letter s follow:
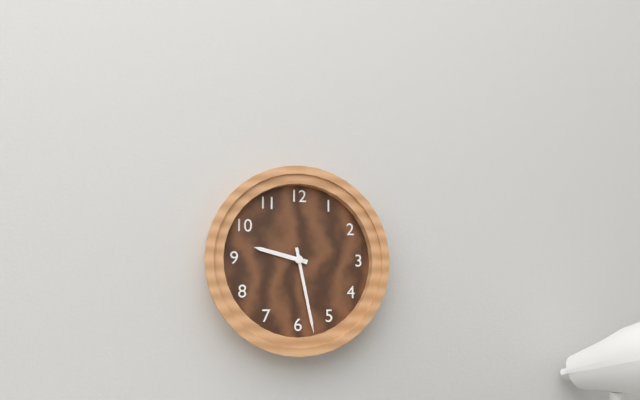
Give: 9h28
